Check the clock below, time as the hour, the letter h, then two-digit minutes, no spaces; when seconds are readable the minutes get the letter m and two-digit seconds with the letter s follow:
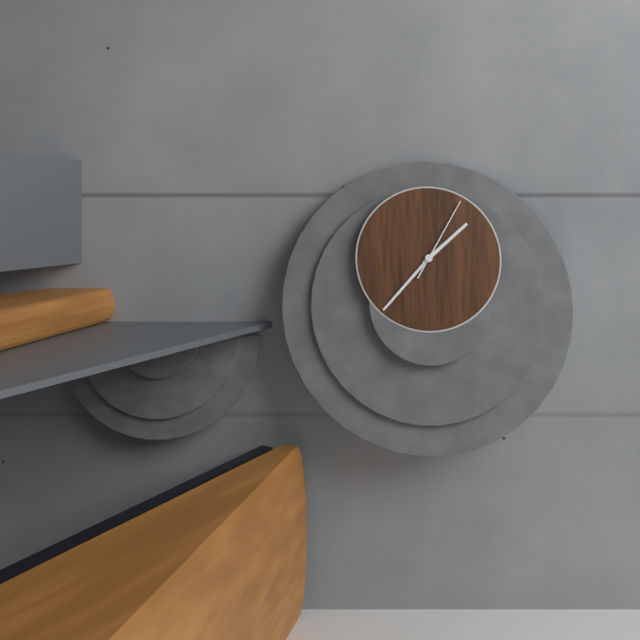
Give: 1h37m05s
